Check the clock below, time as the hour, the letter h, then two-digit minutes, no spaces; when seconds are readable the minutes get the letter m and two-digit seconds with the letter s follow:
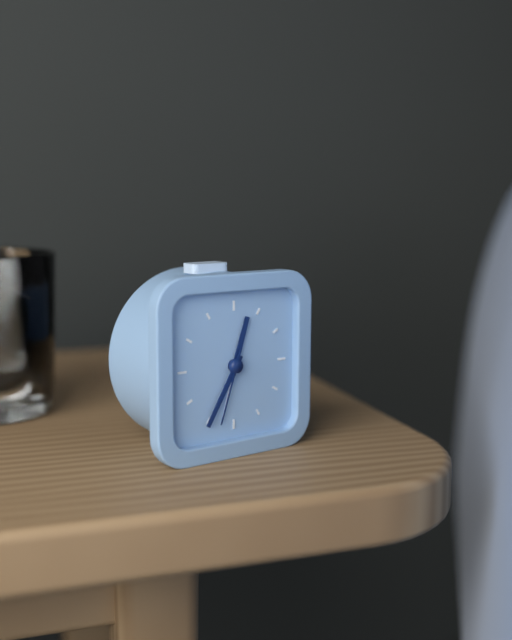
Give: 12h35m33s
